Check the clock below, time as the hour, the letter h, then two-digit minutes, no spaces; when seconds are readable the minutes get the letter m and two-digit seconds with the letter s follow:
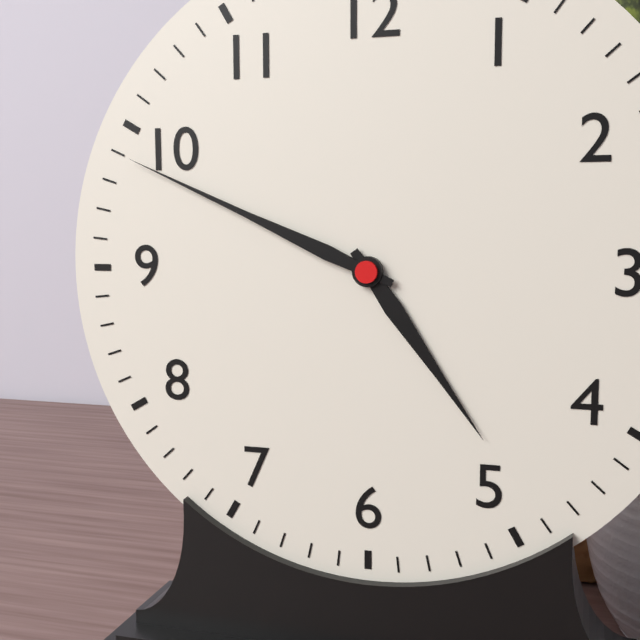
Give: 4h49
